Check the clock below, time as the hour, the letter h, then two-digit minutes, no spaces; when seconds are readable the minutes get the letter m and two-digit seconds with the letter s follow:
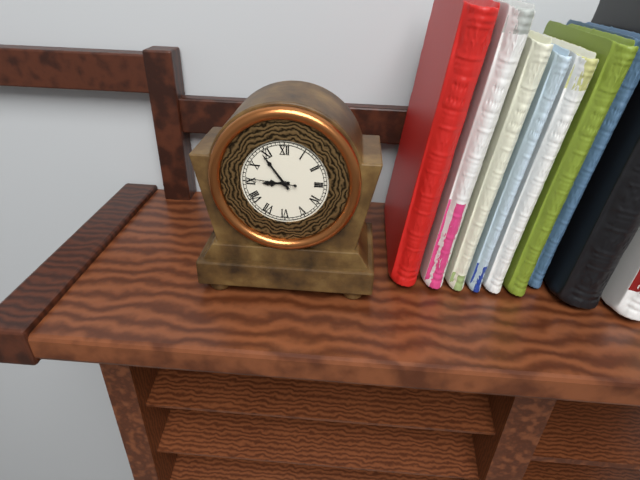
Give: 8h54
